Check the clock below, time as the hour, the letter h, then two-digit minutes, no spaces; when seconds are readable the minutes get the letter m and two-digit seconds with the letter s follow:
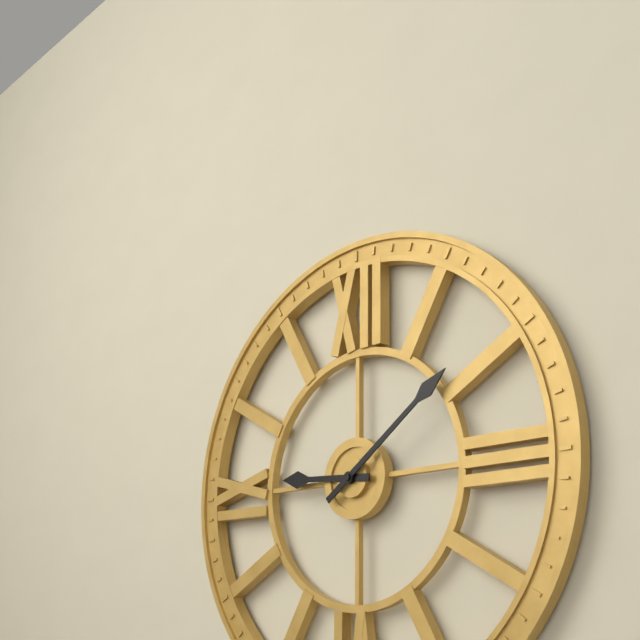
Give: 9h09
